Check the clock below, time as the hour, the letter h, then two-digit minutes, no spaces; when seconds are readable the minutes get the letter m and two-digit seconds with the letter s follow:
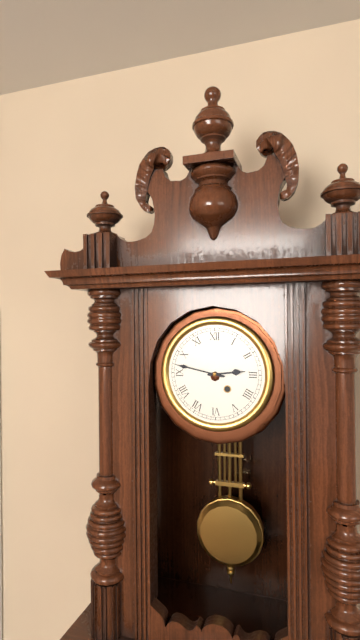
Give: 2h47
